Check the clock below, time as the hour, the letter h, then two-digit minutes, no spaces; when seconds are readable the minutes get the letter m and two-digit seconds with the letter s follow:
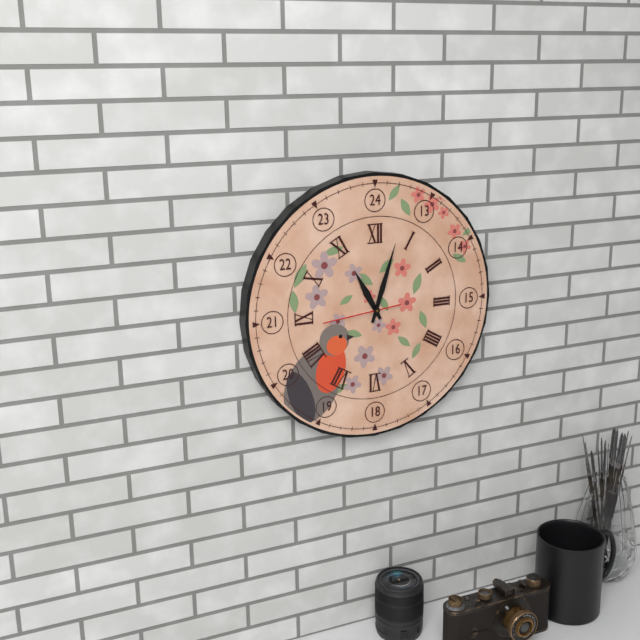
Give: 11h03m44s
